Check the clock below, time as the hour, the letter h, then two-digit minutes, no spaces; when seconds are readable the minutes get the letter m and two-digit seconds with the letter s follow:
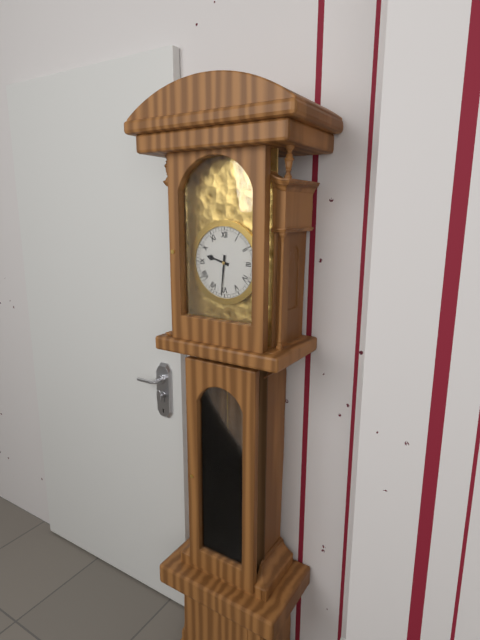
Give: 9h31
